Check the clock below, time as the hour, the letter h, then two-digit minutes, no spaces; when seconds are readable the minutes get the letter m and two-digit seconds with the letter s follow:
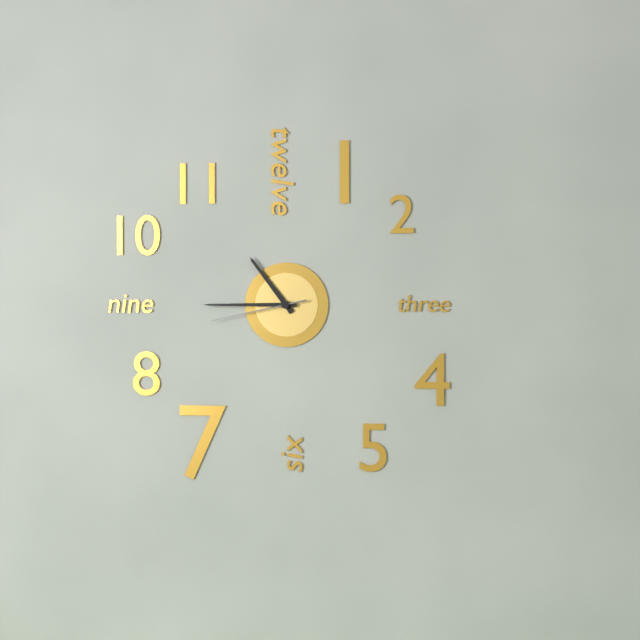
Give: 10h45m43s
